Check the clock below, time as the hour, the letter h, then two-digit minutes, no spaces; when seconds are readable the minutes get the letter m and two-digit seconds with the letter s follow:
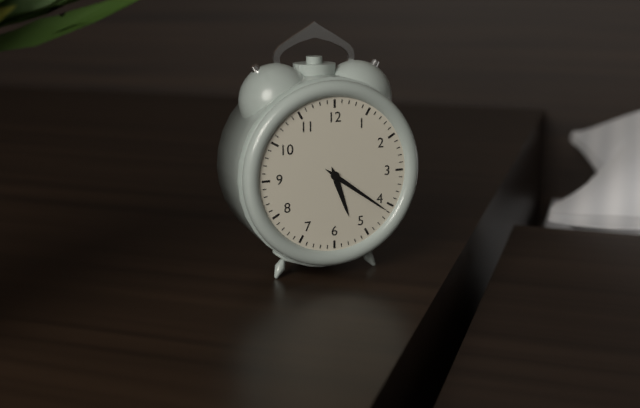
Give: 5h21
